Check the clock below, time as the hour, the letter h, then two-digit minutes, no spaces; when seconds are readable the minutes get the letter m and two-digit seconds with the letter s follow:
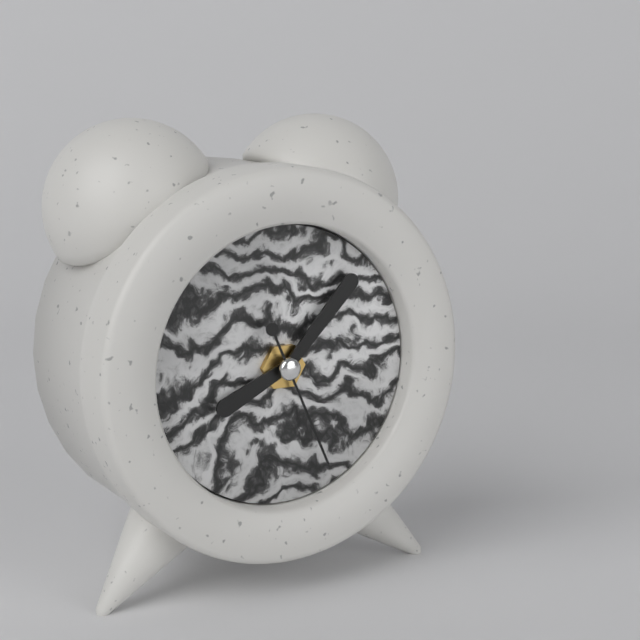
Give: 8h07m26s
